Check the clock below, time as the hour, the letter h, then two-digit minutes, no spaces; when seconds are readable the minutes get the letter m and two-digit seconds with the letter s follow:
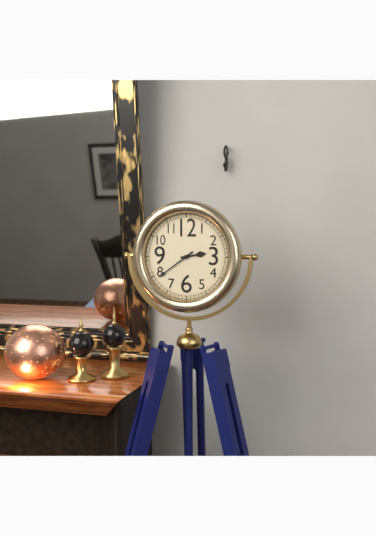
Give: 2h39
